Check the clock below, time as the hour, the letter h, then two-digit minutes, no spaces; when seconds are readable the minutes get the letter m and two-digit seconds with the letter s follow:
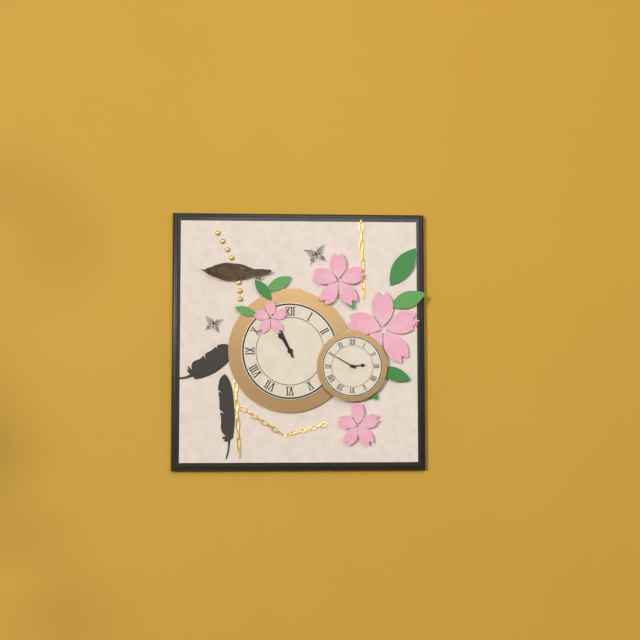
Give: 10h56
